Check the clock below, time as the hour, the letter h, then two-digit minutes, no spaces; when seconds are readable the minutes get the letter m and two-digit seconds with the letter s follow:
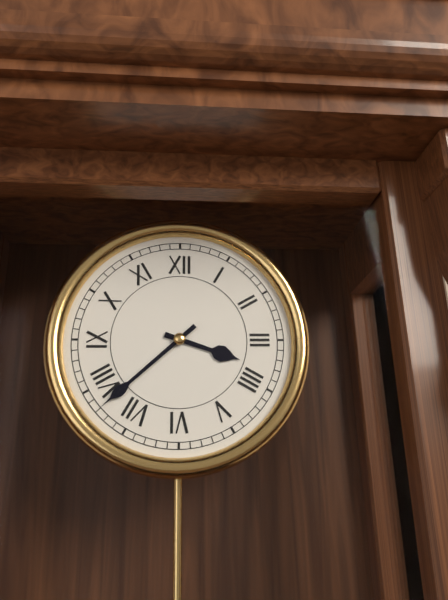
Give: 3h38
